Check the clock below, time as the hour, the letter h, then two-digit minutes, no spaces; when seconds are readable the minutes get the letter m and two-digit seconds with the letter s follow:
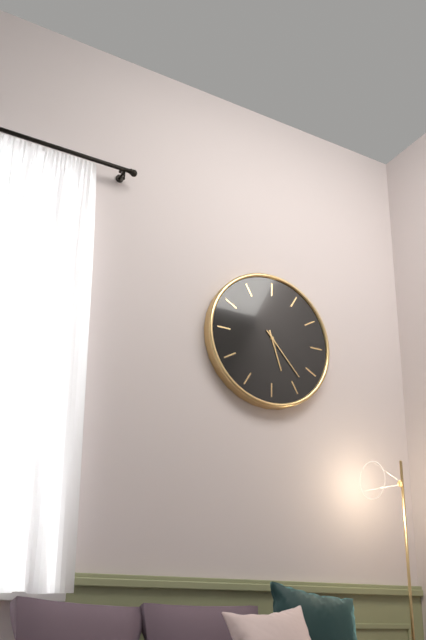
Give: 5h23
